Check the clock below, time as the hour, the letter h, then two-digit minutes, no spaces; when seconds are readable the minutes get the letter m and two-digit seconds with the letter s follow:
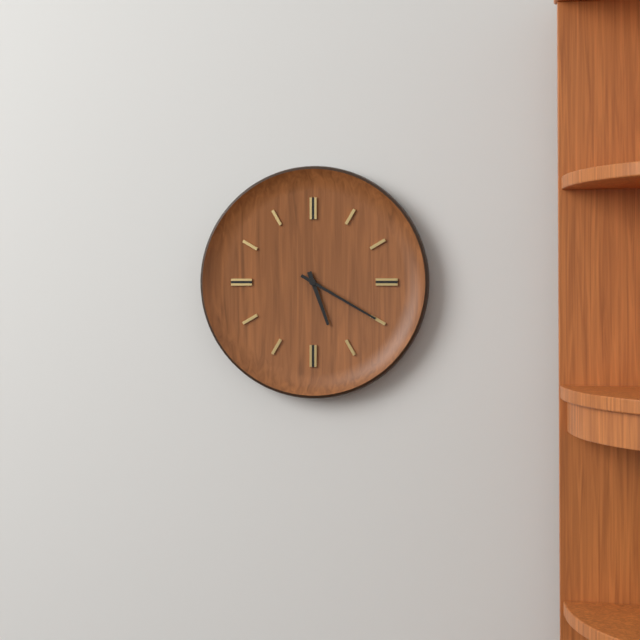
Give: 5h20
